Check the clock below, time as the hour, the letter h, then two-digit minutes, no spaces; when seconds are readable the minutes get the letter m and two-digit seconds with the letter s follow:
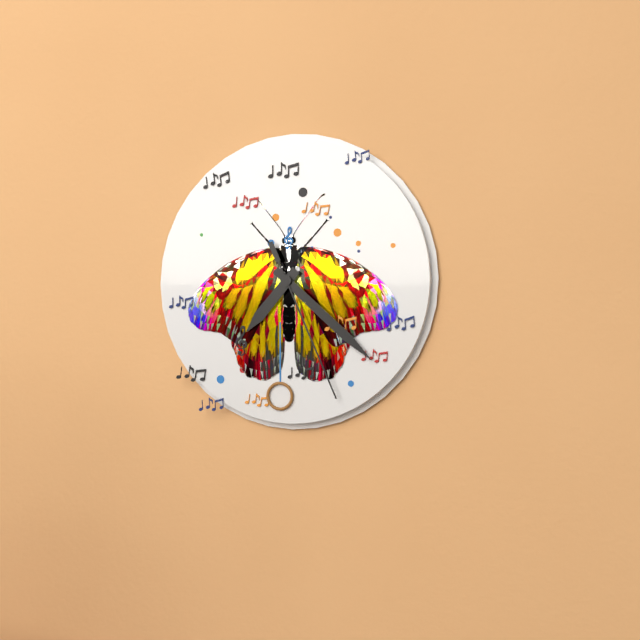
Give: 7h22m26s
